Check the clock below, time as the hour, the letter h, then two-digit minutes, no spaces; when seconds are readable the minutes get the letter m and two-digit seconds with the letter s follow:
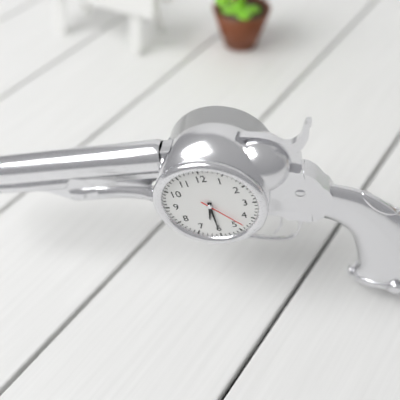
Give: 6h30m23s
